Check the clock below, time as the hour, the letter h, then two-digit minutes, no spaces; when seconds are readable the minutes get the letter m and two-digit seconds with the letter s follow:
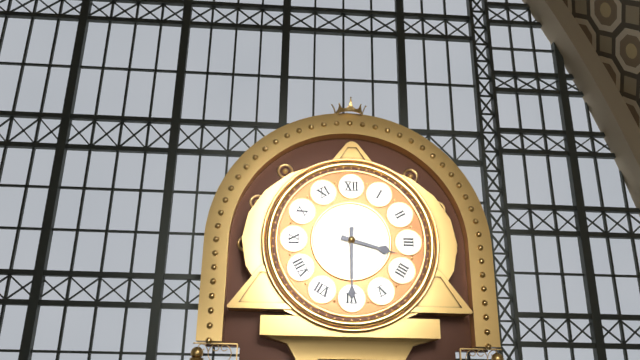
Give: 3h30
